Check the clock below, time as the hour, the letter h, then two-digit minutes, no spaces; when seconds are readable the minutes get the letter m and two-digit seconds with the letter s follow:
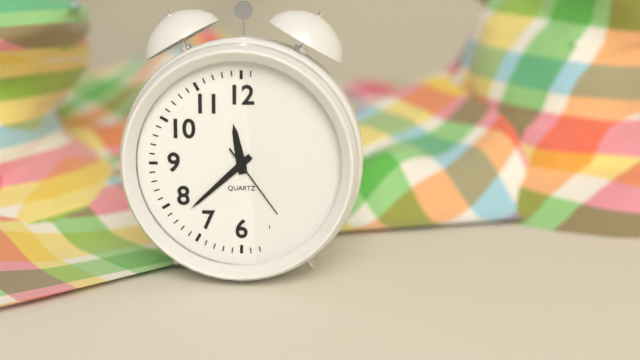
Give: 11h38m24s
